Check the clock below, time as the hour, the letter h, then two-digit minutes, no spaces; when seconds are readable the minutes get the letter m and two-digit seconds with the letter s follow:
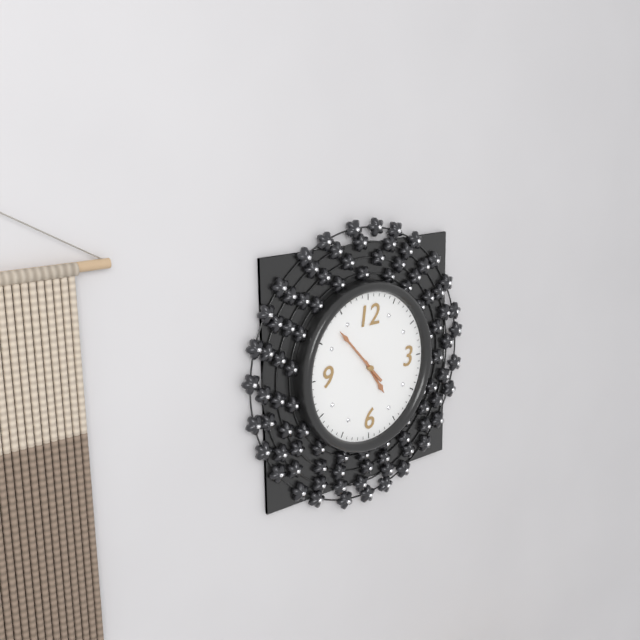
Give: 4h53
